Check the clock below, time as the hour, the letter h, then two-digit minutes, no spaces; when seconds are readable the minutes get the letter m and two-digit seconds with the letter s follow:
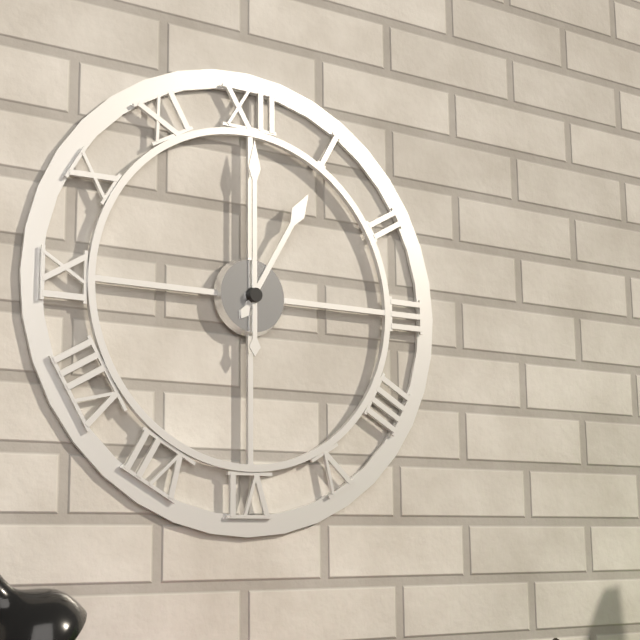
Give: 1h00
